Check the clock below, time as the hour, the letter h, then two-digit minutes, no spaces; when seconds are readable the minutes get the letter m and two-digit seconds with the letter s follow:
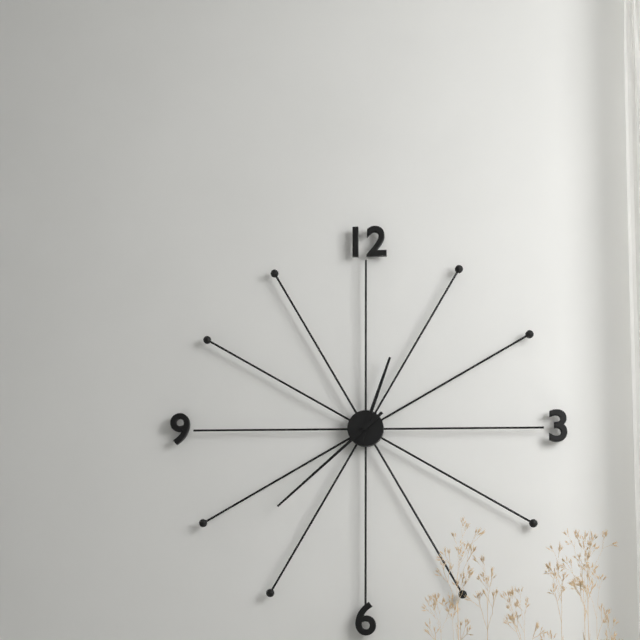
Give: 12h38
